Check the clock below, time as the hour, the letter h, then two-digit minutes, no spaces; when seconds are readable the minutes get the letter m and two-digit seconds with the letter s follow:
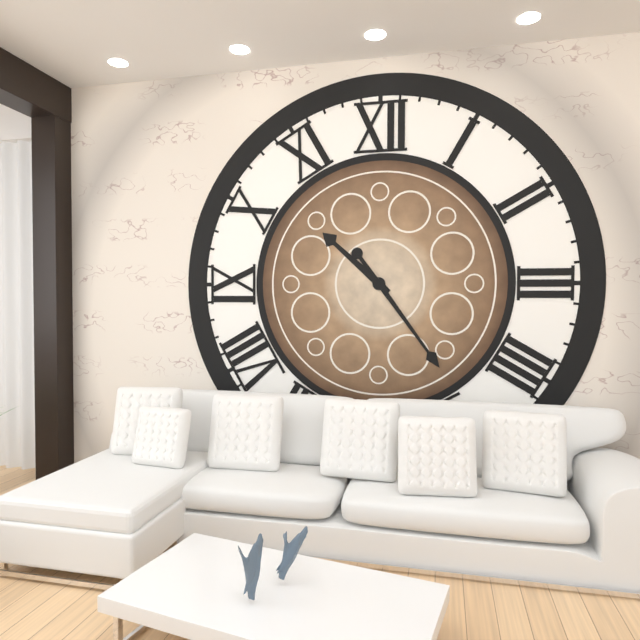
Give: 10h24
